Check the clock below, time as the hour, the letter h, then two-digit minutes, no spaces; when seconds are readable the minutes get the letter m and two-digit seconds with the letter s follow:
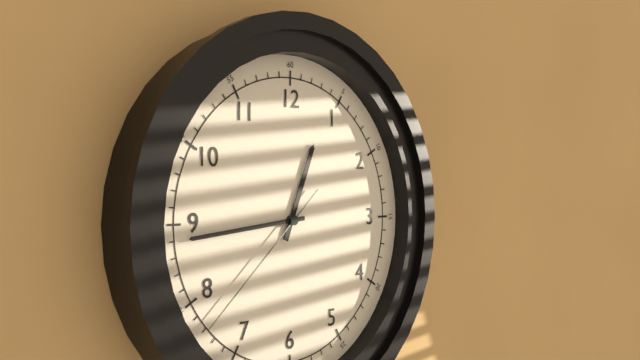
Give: 12h44m38s
